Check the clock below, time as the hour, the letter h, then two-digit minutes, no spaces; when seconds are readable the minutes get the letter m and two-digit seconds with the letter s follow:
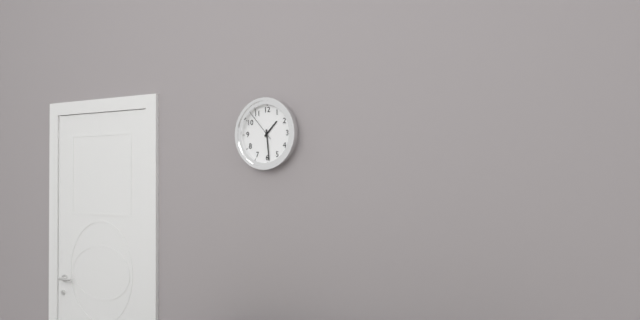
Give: 1h29
